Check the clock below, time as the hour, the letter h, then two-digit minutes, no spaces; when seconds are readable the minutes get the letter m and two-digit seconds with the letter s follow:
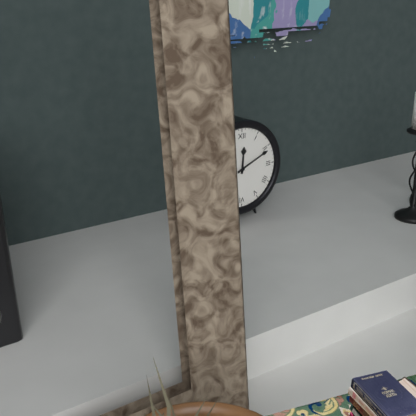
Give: 12h11
